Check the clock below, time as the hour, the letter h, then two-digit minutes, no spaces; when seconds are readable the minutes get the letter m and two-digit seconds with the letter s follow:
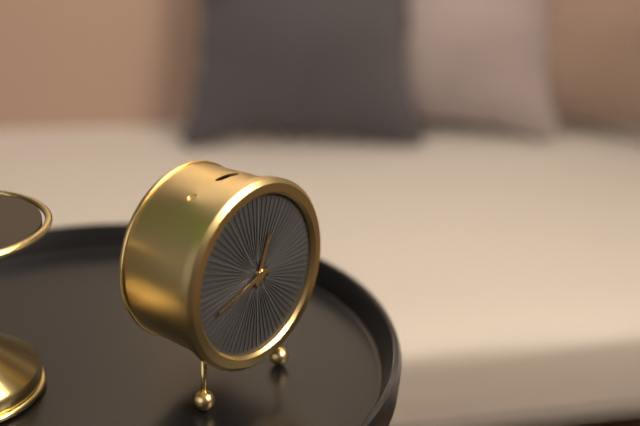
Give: 12h42
